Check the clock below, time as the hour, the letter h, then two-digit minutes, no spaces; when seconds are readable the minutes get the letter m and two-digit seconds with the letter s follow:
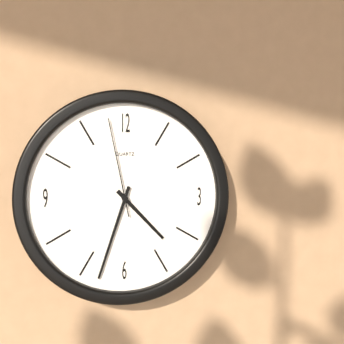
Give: 4h33m58s
